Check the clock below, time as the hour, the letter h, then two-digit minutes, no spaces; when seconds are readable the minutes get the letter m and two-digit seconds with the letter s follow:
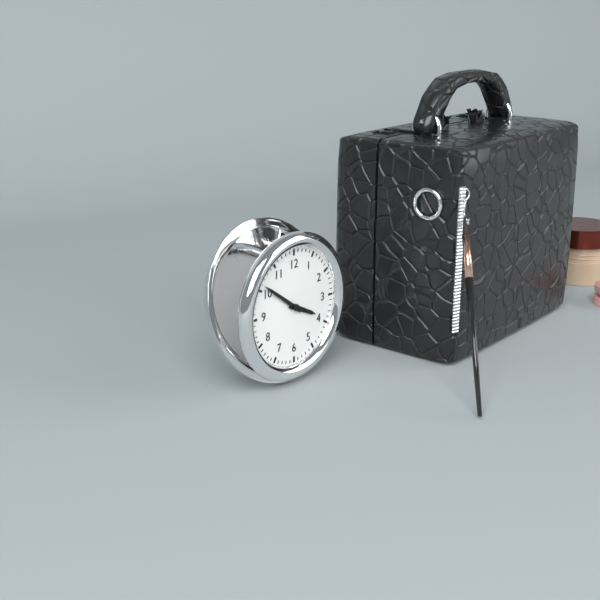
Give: 3h51
